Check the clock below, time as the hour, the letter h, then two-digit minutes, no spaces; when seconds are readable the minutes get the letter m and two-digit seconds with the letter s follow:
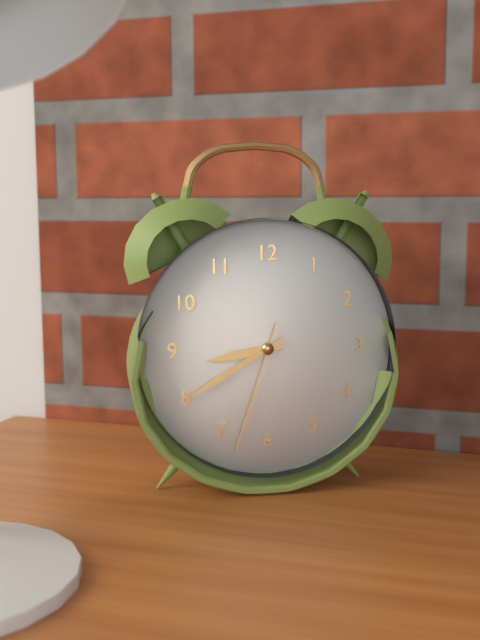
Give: 8h40m33s
